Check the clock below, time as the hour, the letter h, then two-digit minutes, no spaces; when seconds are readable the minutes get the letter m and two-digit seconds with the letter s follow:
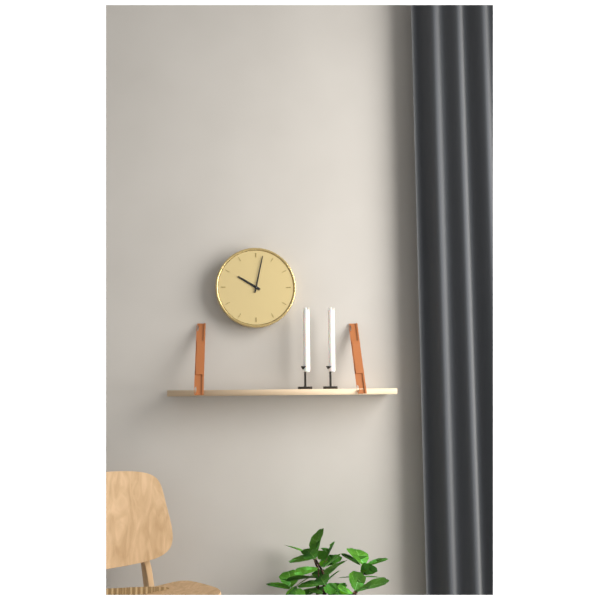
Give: 10h02
